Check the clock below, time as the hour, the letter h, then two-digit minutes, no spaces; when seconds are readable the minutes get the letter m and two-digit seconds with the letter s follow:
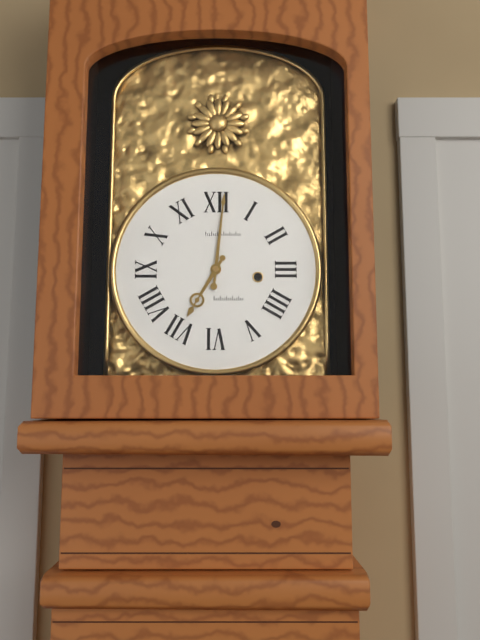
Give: 7h01
